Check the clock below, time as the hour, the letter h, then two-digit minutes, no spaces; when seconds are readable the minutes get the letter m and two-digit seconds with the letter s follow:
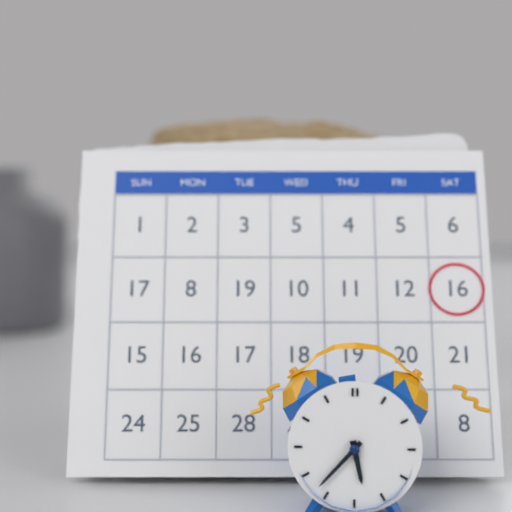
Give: 5h37
